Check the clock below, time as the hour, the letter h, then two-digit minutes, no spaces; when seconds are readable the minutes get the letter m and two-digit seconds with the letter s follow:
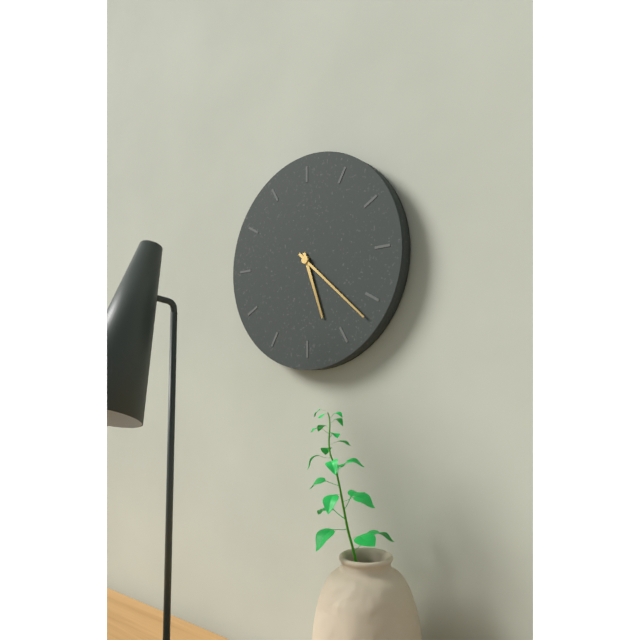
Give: 5h22
